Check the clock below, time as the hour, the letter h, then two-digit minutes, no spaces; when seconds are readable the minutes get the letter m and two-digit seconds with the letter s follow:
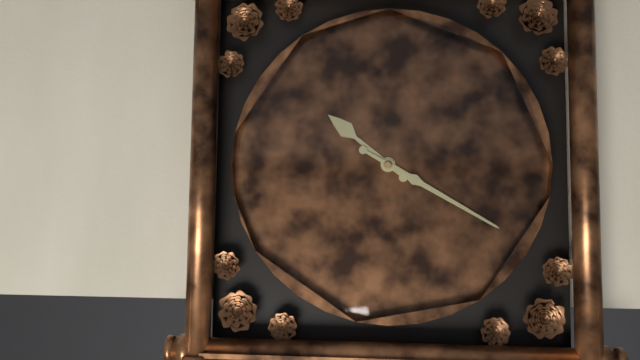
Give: 10h20
